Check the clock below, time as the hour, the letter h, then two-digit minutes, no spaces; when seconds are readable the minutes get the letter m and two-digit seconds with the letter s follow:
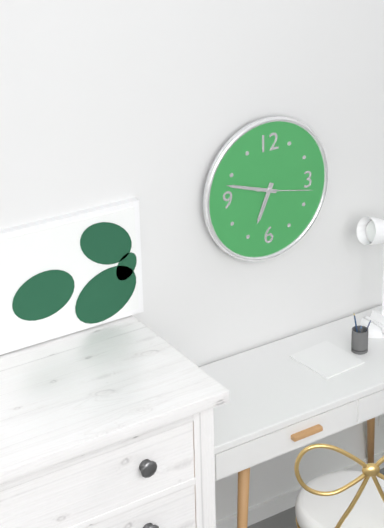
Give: 6h48m17s
